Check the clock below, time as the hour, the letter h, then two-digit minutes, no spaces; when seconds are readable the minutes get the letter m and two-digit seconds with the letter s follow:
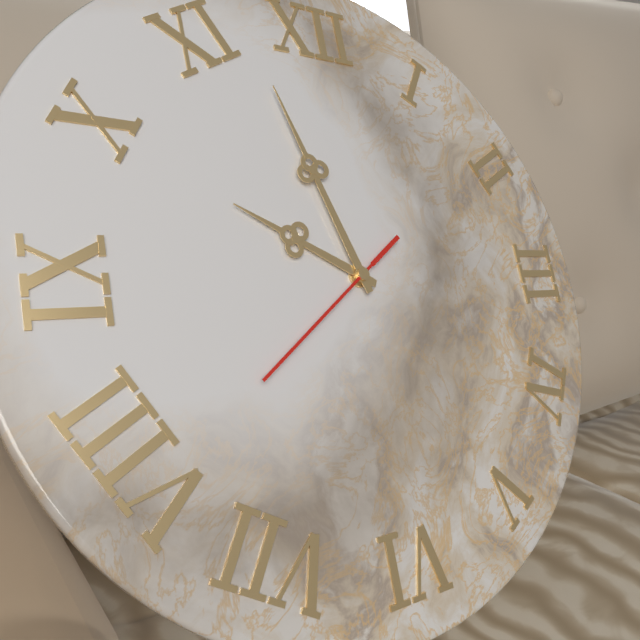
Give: 9h57m39s
